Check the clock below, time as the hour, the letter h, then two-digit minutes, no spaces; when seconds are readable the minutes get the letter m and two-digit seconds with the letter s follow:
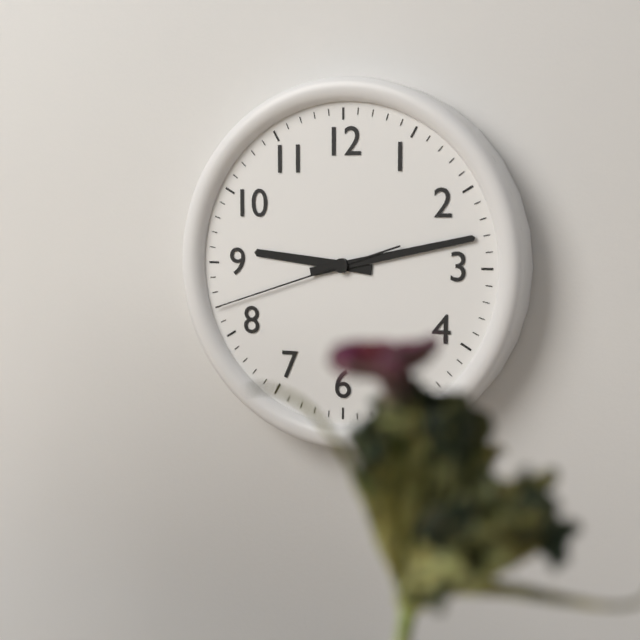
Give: 9h13m42s
